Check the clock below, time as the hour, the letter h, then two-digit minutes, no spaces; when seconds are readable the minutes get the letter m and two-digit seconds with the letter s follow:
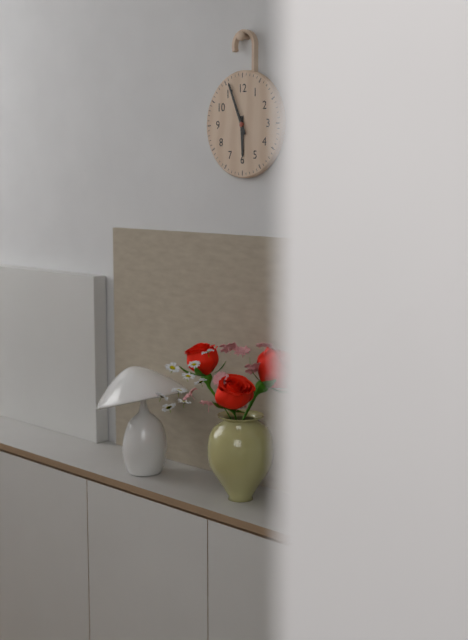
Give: 5h56
